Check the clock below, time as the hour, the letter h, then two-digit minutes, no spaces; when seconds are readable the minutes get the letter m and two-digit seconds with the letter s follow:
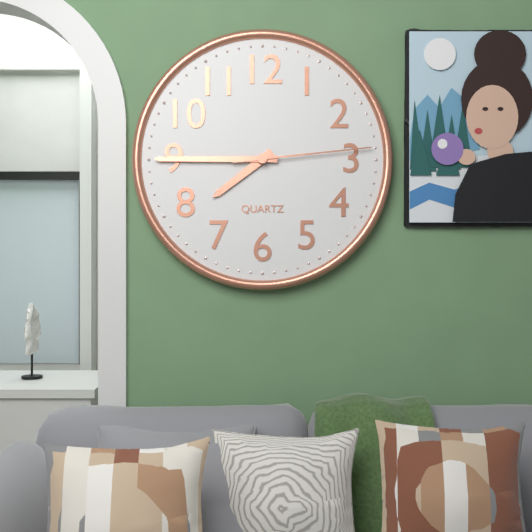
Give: 7h45m14s
